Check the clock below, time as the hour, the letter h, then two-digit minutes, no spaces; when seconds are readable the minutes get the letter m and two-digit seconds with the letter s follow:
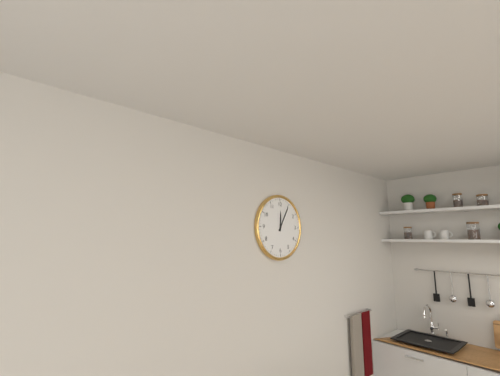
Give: 12h05
